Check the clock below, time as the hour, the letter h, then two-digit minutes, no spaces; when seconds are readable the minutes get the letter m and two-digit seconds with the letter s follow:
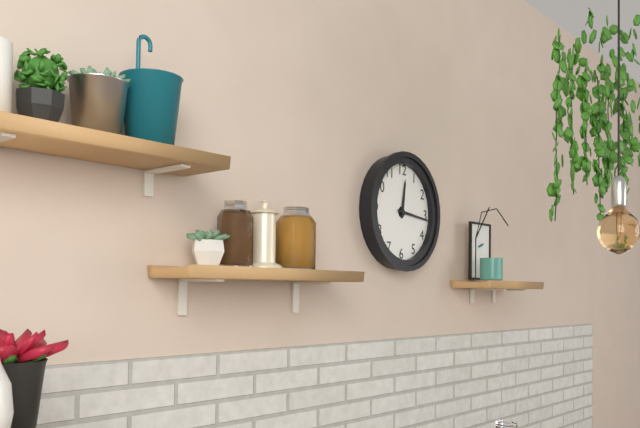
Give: 12h16
